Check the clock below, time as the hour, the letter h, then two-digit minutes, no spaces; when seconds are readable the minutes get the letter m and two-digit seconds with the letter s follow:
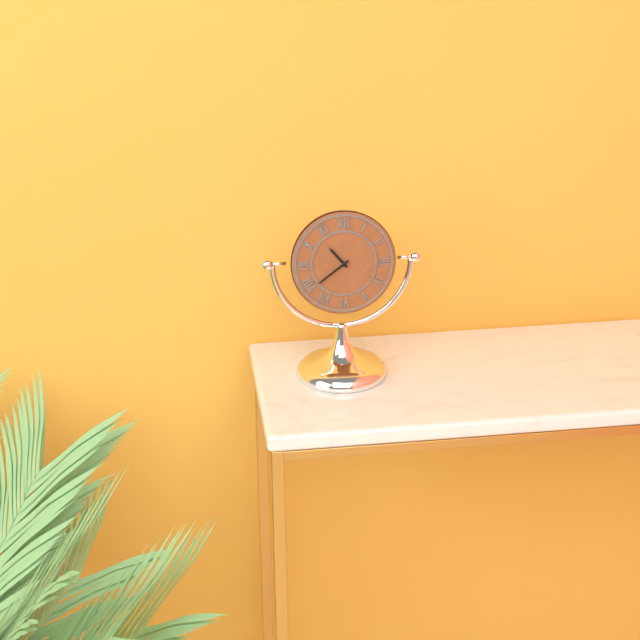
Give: 10h39
